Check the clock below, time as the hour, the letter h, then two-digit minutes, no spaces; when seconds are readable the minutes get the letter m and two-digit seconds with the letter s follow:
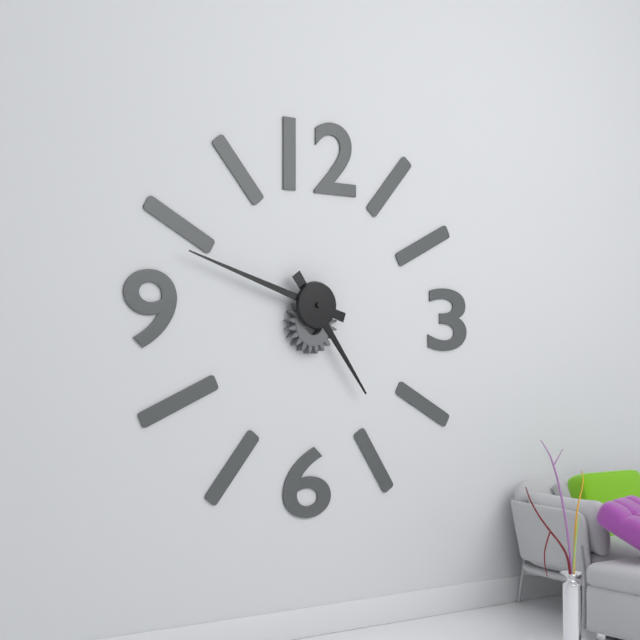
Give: 4h48
